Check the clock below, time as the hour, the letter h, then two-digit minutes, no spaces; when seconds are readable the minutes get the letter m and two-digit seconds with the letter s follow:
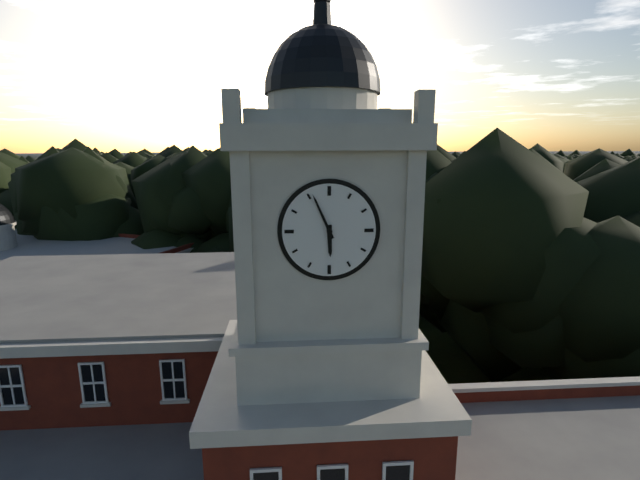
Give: 5h56
